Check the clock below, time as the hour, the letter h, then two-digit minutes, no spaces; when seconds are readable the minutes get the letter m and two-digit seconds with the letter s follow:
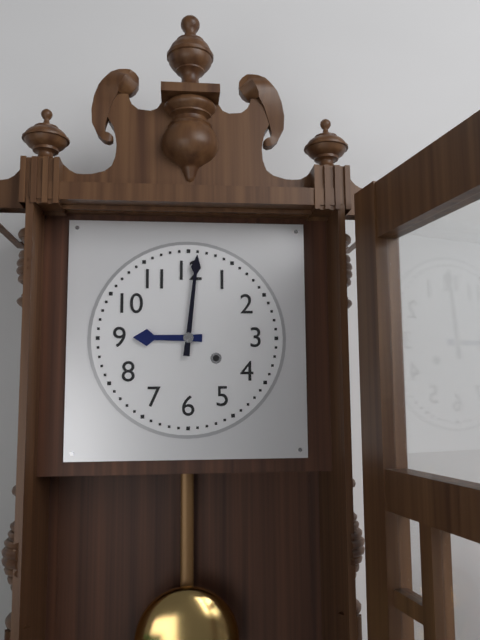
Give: 9h01
